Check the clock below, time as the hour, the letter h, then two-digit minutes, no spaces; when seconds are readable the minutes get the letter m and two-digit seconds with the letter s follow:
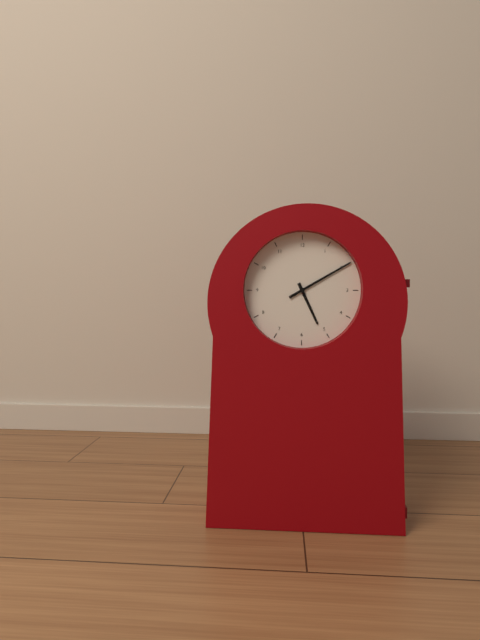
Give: 5h10
